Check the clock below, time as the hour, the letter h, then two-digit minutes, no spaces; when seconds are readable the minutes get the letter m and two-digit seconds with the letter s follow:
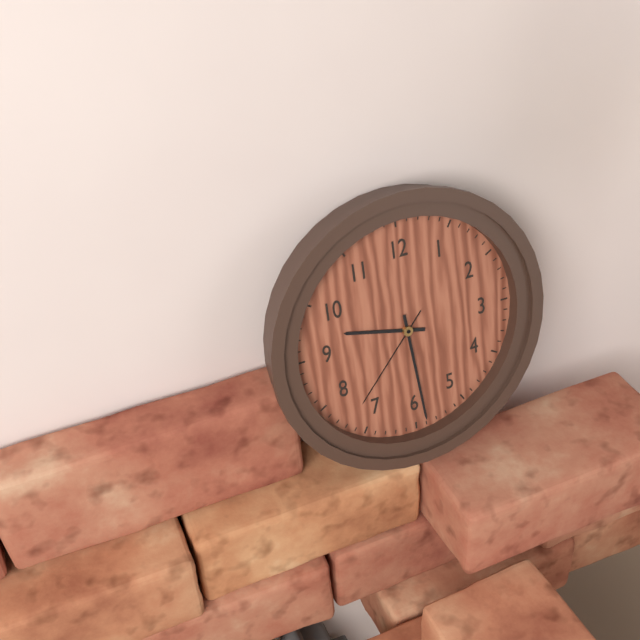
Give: 9h29m37s
